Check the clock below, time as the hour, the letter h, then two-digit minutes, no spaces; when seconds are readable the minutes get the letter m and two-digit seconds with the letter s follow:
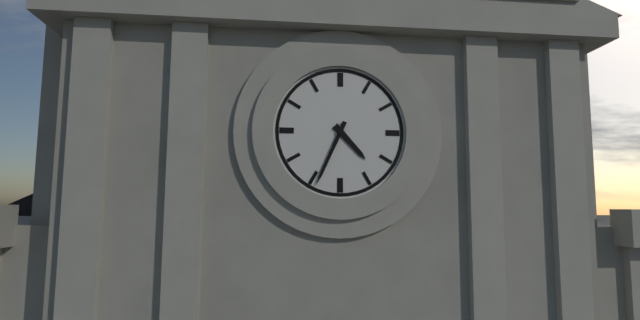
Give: 4h34
